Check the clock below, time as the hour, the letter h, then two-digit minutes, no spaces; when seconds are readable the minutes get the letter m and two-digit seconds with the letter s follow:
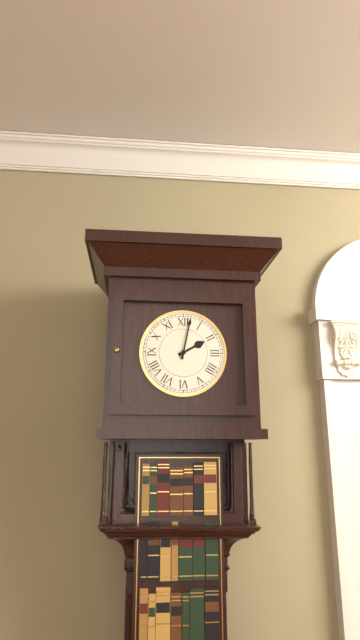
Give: 2h02
